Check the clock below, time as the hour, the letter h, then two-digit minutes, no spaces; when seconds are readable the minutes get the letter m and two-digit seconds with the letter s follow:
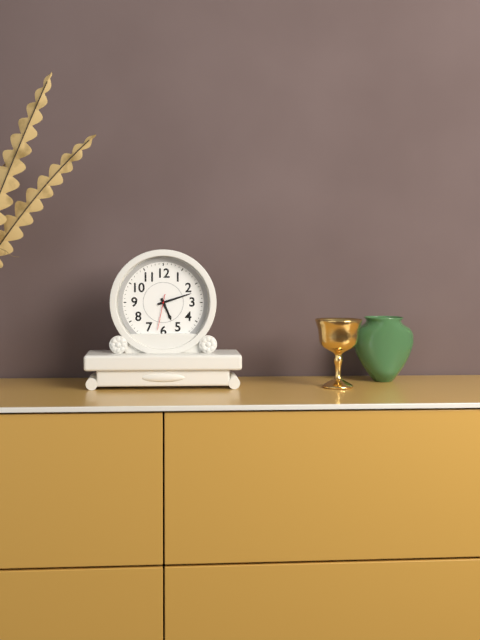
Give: 5h12
